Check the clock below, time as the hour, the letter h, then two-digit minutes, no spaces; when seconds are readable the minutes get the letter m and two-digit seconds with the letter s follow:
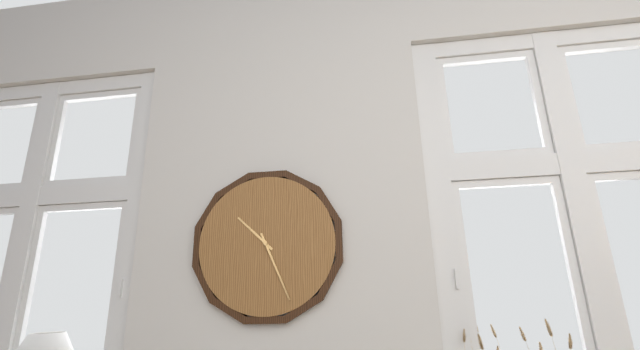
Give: 10h26
